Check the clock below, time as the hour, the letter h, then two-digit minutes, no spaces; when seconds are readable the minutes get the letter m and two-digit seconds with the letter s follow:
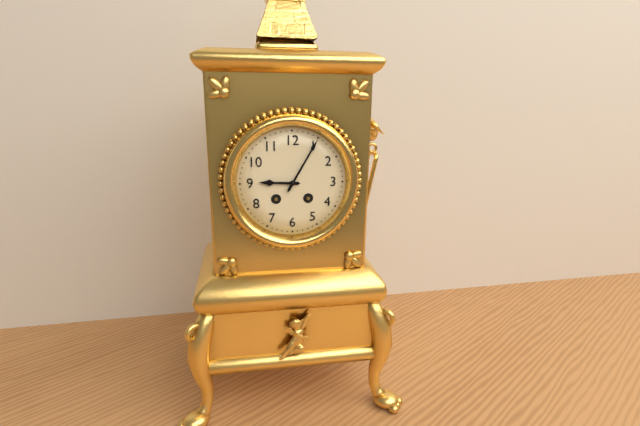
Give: 9h05
